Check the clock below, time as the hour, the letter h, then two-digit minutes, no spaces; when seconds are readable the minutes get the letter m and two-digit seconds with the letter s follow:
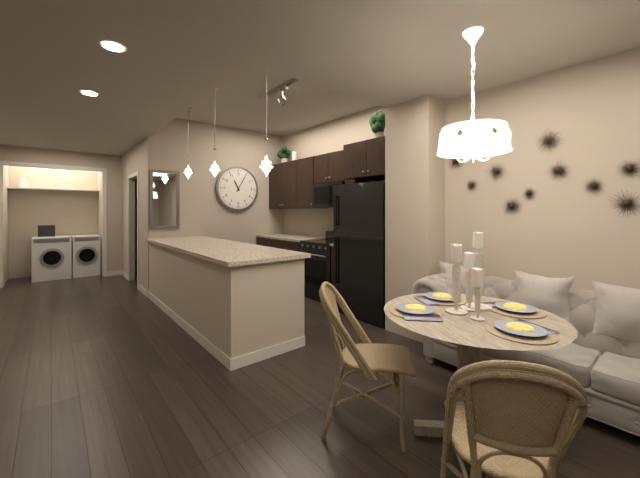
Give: 11h05
